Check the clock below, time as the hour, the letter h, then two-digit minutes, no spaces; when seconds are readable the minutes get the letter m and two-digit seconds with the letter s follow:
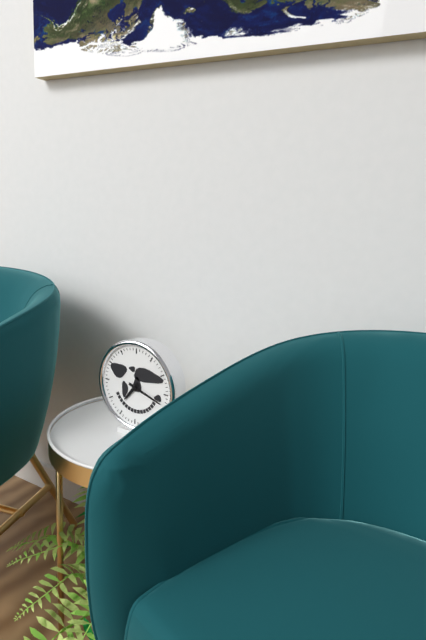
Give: 7h18
